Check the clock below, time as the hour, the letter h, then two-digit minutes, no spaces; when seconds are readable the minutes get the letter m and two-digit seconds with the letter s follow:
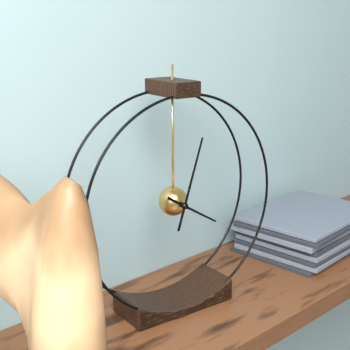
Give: 4h03
